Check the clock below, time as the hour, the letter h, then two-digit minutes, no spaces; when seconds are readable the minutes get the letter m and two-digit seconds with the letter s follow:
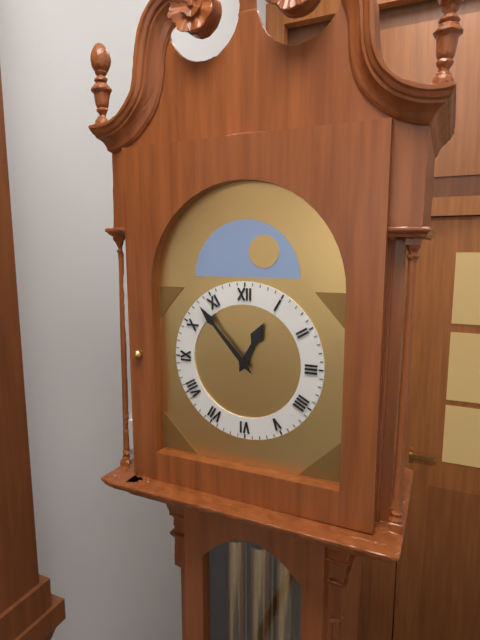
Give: 12h53
